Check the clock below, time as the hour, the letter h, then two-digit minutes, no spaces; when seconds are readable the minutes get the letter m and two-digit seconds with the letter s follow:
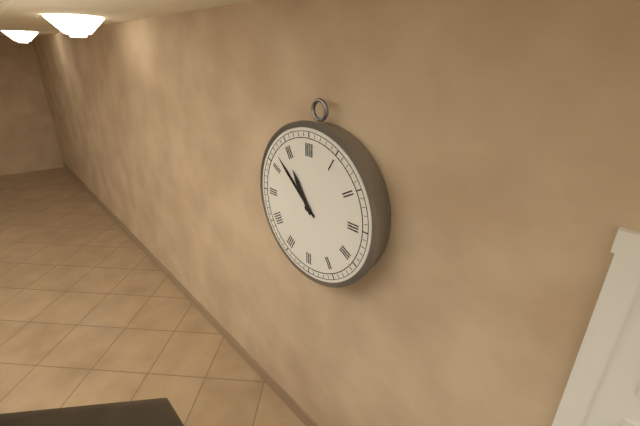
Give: 10h52
